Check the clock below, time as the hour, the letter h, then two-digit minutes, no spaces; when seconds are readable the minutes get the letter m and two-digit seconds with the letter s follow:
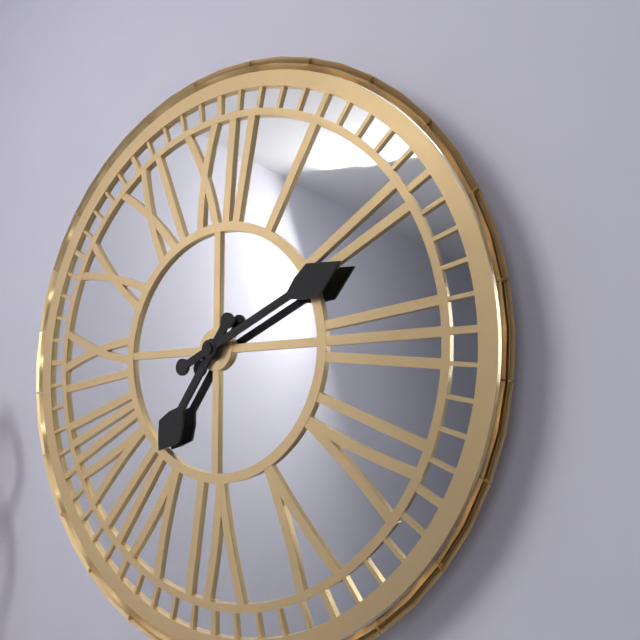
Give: 7h11
